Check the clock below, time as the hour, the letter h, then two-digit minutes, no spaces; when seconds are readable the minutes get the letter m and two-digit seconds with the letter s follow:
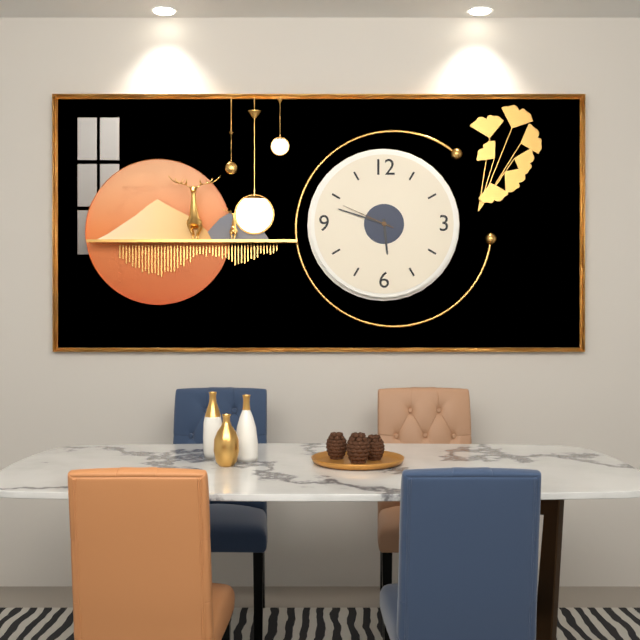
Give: 5h48m49s
